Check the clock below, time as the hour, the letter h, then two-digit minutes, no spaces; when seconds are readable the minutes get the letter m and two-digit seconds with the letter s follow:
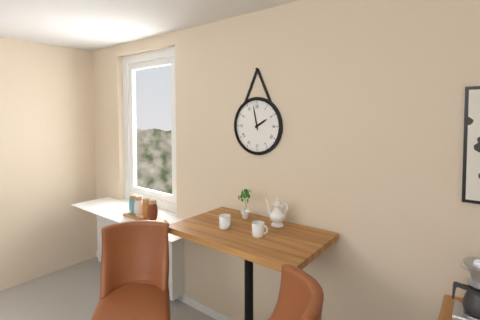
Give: 1h58
